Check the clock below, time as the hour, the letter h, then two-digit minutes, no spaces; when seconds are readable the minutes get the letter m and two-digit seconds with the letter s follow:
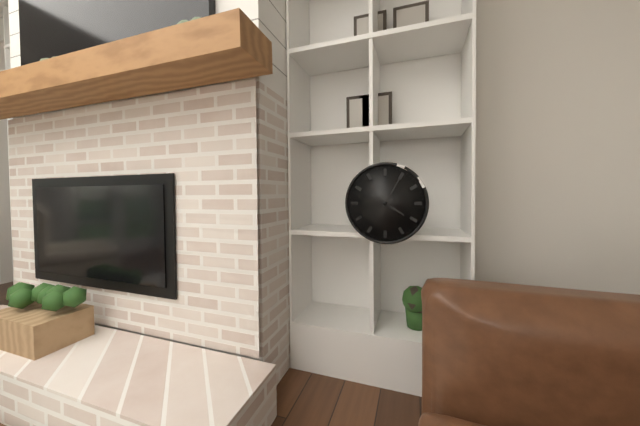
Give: 4h05
